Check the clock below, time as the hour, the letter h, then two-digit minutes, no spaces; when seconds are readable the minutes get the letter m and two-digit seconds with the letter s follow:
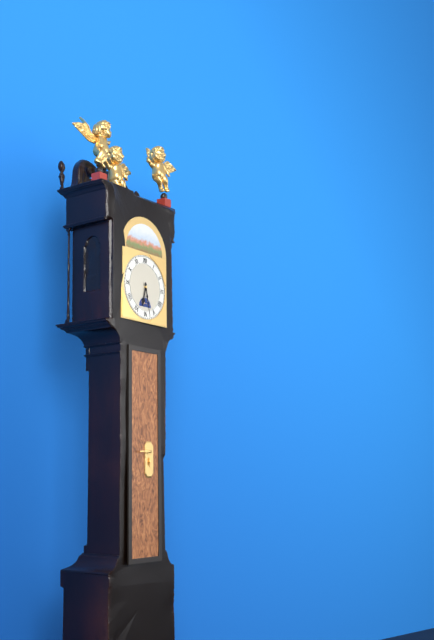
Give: 6h28
